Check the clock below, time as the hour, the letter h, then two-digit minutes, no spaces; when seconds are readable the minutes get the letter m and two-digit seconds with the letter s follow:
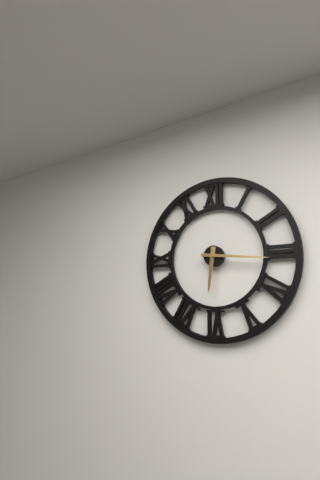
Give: 6h16
